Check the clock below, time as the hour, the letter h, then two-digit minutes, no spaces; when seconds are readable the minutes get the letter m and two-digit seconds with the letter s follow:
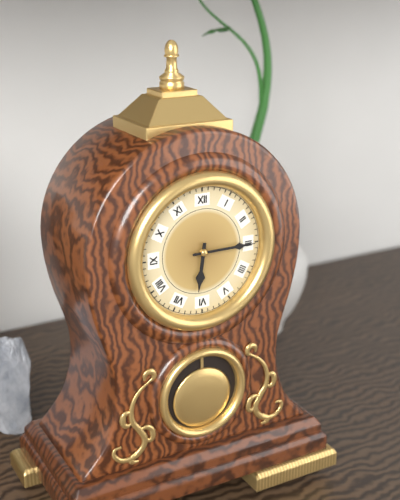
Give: 6h15
